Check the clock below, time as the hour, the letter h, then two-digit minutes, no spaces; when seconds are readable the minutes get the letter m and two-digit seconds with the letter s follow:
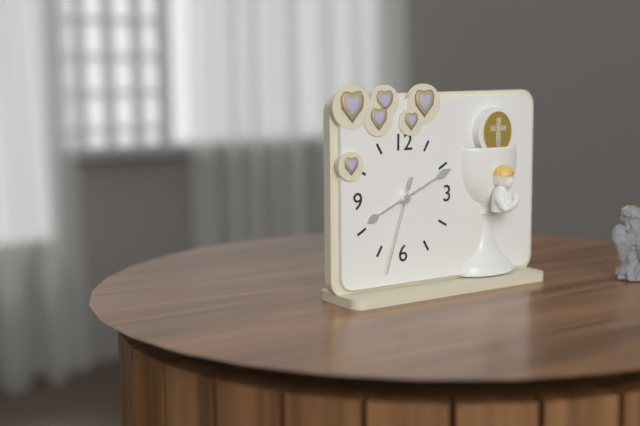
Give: 8h11m33s
